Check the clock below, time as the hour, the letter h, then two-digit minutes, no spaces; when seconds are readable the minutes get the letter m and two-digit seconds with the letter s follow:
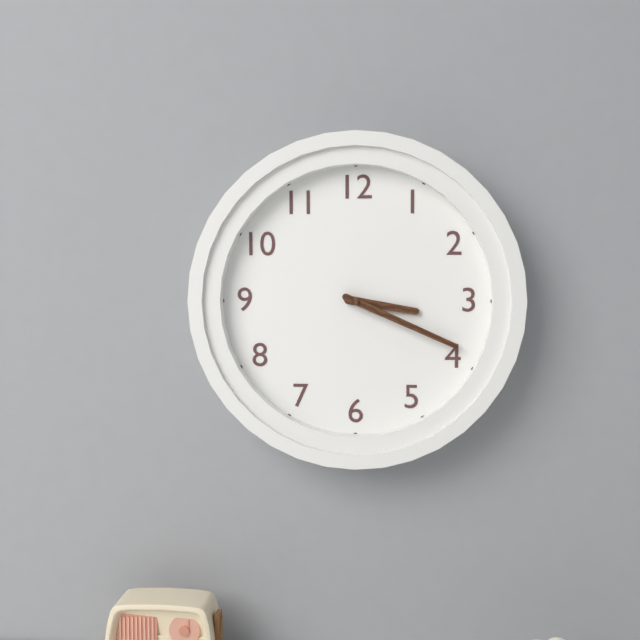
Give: 3h19
